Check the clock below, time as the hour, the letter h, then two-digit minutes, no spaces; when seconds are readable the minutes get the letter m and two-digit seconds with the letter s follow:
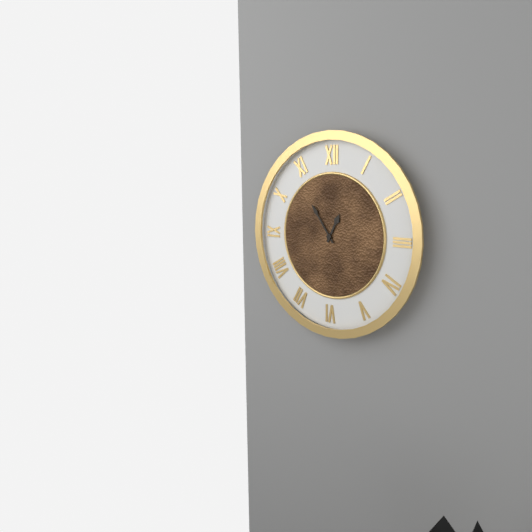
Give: 12h54
